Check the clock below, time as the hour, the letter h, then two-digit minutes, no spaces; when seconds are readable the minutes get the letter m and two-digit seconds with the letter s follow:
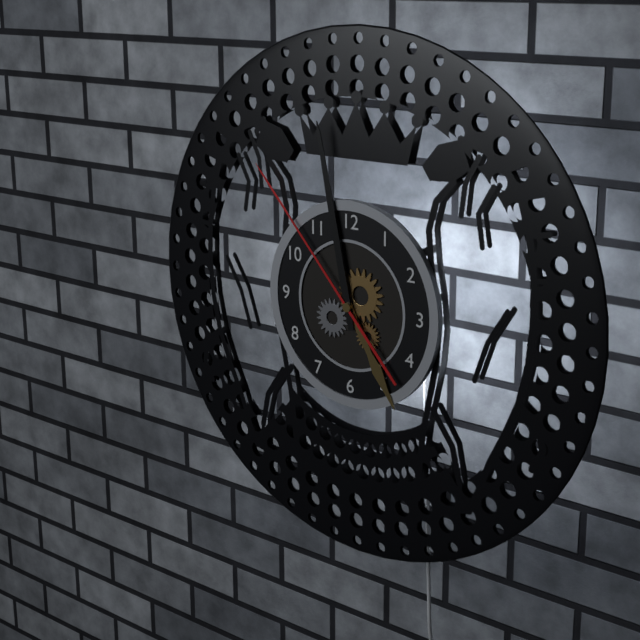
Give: 4h58m53s
